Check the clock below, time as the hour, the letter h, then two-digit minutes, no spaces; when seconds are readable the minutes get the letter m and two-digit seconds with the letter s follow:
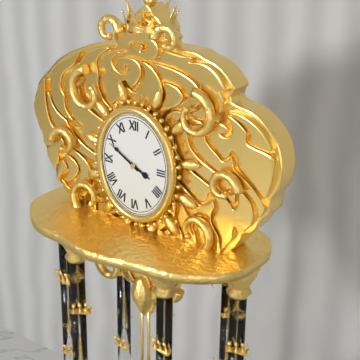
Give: 3h50
